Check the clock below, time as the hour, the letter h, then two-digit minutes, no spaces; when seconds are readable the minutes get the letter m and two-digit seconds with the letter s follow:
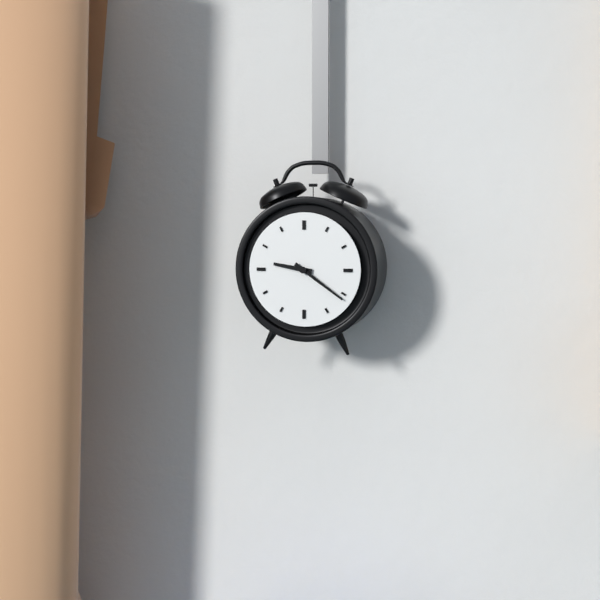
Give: 9h21
